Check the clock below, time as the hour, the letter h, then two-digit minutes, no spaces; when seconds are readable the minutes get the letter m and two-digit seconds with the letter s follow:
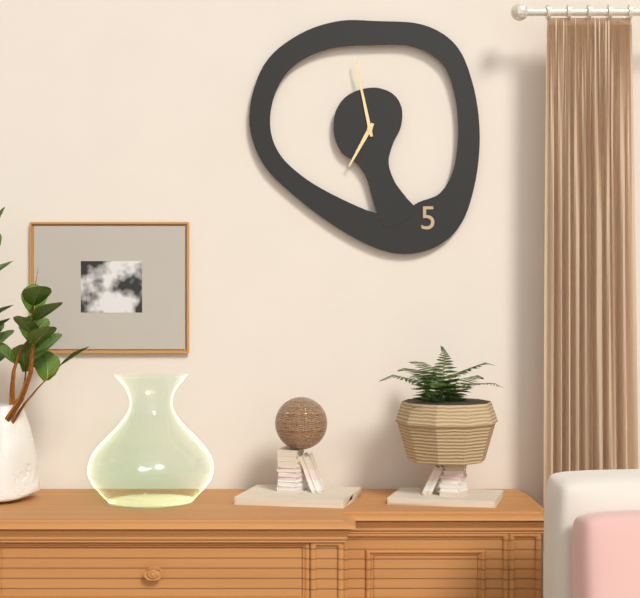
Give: 6h58
